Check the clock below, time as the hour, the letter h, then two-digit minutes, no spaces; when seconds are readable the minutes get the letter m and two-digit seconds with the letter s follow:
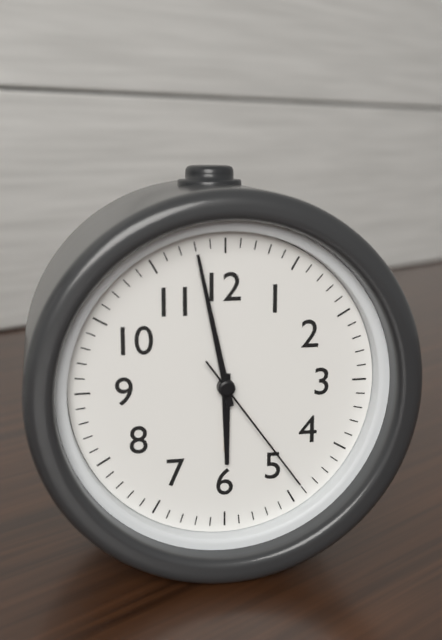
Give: 5h58m24s
